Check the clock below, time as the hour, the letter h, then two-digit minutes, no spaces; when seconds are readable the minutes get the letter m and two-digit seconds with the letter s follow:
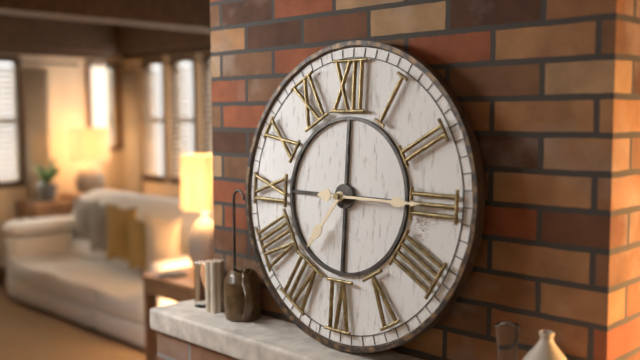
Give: 7h15
